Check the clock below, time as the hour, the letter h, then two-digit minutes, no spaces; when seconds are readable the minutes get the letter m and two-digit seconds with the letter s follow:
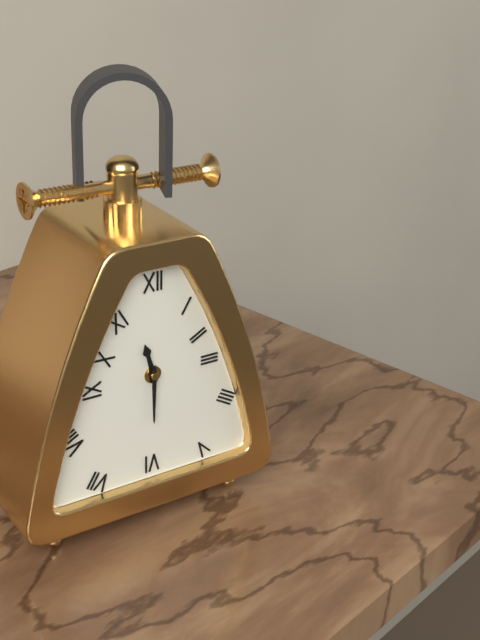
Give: 11h30
